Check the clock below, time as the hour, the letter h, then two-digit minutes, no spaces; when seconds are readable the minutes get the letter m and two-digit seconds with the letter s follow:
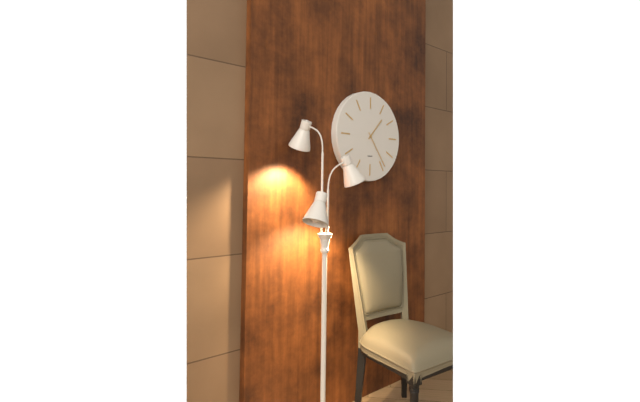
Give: 1h24
